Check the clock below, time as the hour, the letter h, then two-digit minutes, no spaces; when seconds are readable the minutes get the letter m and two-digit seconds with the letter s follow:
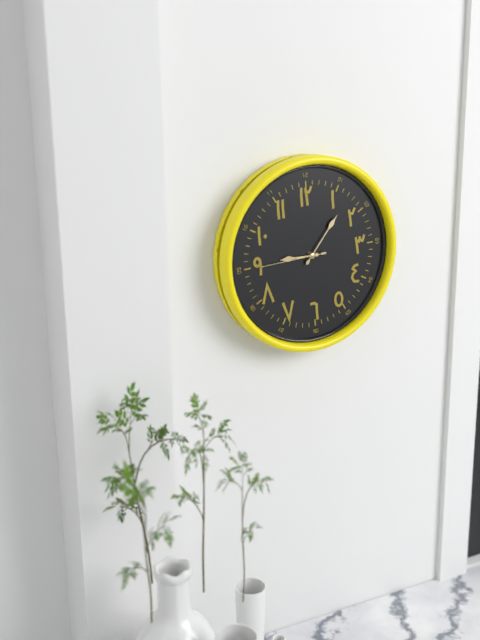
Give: 9h07m45s
